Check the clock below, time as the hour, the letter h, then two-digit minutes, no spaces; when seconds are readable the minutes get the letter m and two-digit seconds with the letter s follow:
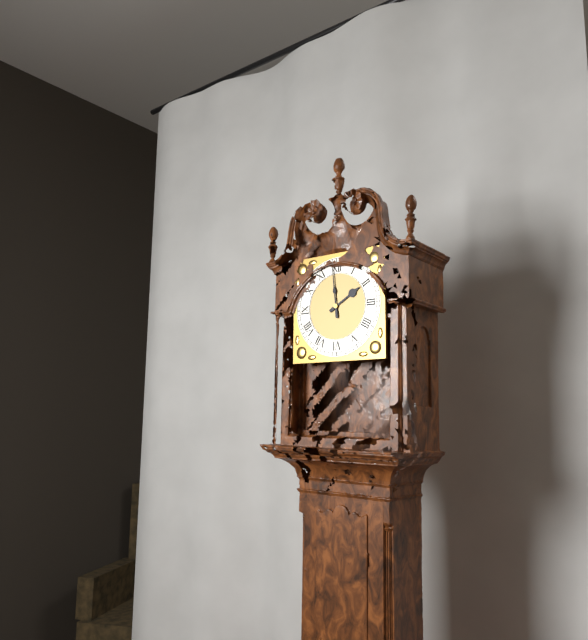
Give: 1h59
